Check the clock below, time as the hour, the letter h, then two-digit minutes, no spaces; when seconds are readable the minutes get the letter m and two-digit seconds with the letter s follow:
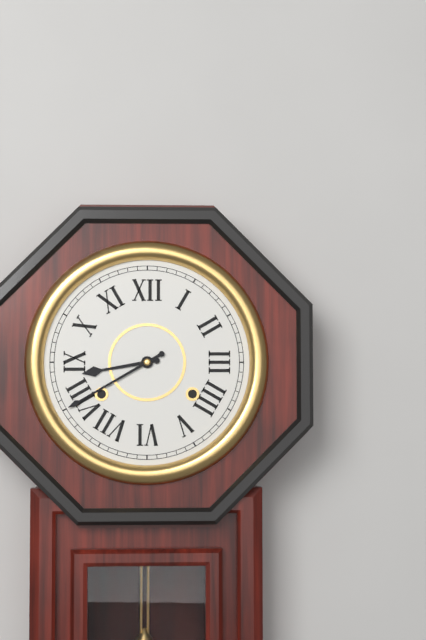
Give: 8h40
